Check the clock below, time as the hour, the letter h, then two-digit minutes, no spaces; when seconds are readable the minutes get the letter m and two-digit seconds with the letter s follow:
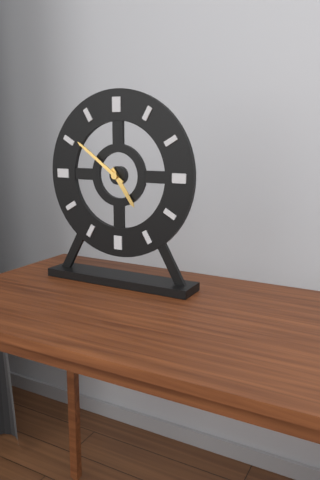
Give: 4h51
